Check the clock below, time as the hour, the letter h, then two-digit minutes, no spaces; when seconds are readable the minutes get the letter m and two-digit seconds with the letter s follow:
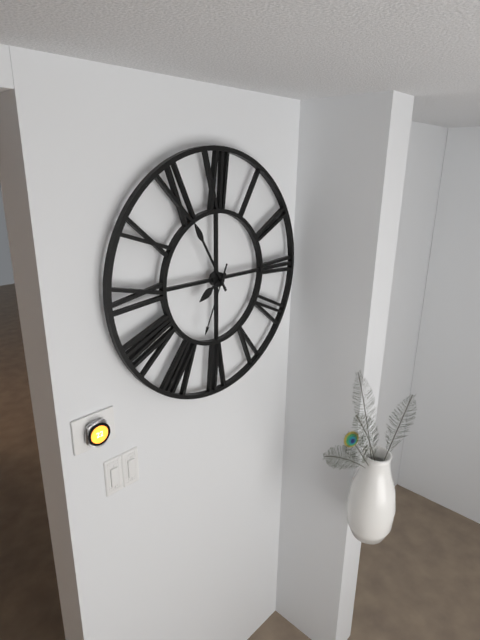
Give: 7h55m34s
